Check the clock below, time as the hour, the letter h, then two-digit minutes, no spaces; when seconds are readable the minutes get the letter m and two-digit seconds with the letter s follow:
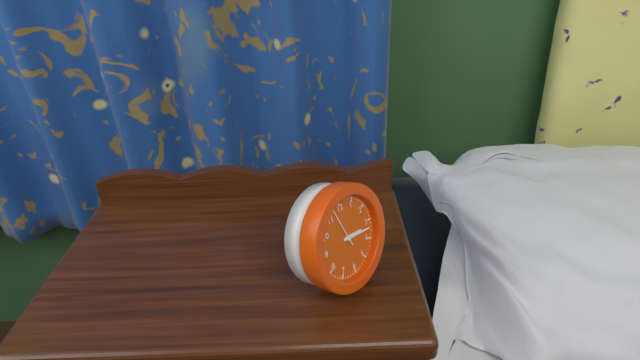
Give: 3h17
